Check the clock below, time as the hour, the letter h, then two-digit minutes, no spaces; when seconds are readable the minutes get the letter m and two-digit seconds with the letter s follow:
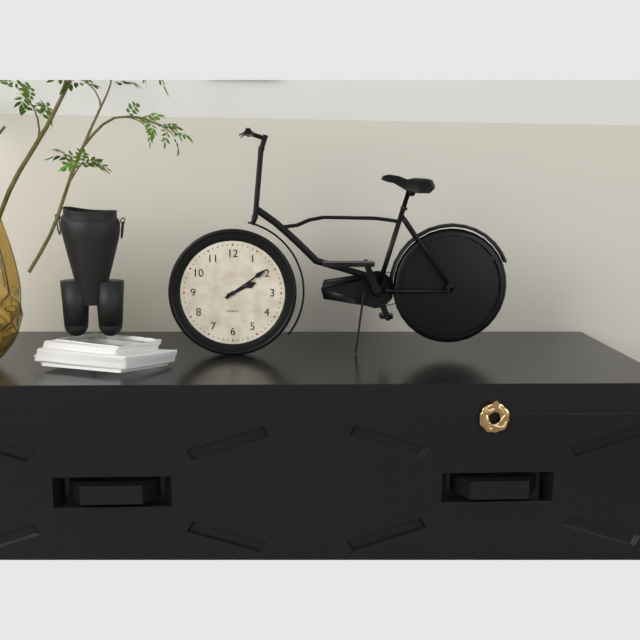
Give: 2h09
